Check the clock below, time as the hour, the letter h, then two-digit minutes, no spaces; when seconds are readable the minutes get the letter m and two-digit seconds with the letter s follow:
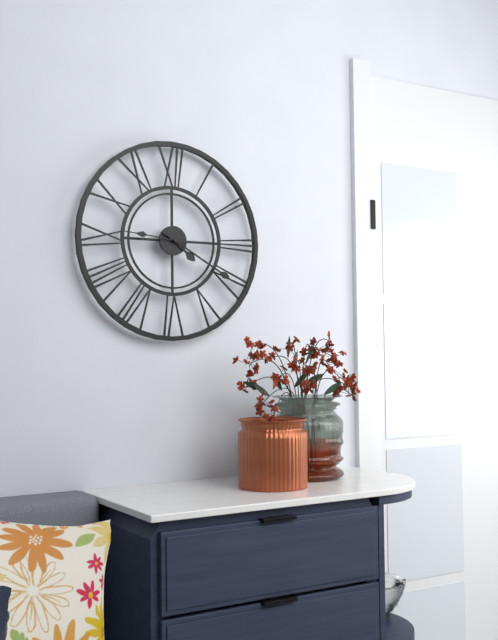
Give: 4h20m46s
